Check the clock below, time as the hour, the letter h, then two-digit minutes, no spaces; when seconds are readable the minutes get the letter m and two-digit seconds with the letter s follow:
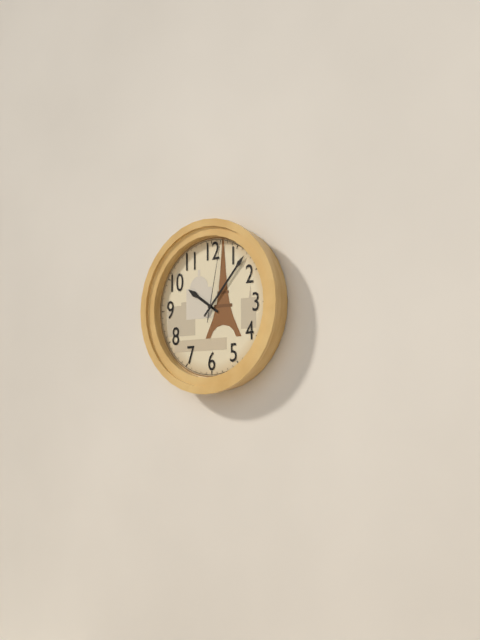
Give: 10h07m02s
